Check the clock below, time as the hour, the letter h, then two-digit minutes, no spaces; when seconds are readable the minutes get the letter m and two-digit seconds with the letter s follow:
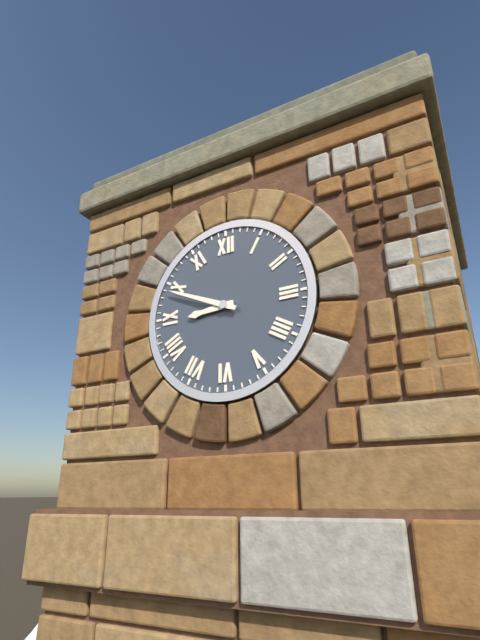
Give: 8h49
